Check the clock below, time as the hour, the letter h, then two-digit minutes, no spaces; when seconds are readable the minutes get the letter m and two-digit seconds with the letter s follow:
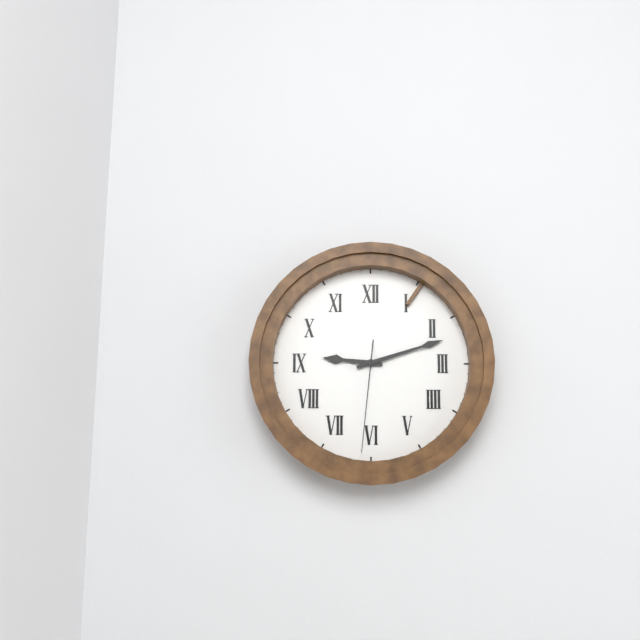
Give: 9h12m31s
